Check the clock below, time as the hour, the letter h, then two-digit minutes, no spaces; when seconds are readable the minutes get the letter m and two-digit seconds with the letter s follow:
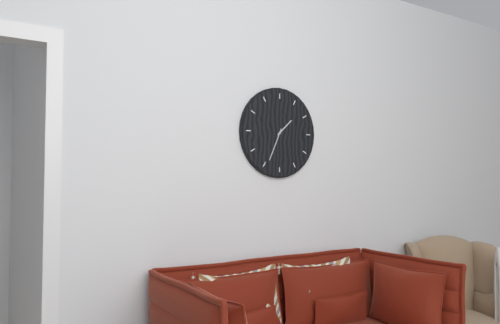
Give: 1h34
